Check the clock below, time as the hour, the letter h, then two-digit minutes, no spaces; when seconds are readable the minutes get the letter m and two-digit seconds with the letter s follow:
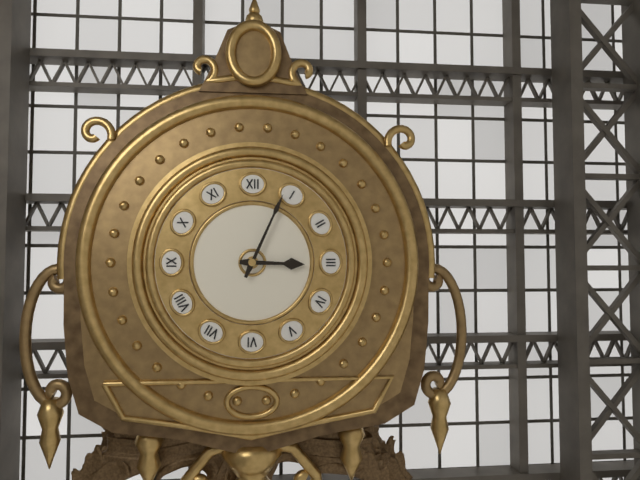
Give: 3h04
